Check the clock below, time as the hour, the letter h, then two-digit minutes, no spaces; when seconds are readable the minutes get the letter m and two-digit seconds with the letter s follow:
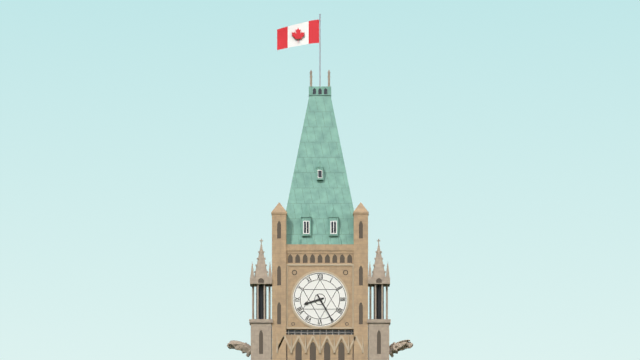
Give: 8h25
